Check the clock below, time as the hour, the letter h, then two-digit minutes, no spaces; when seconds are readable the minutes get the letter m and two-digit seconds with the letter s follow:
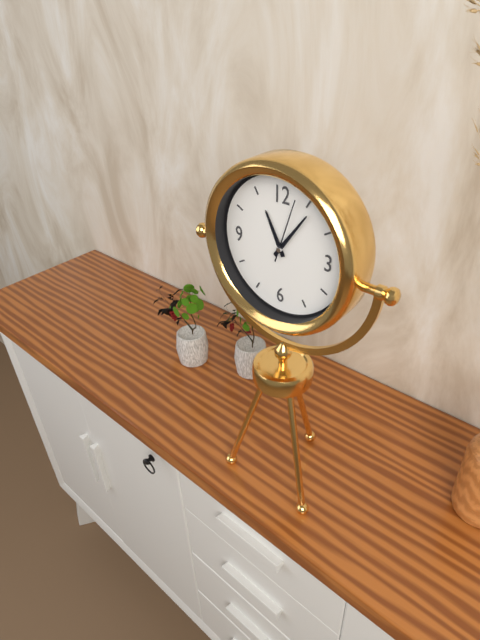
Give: 11h06m03s
